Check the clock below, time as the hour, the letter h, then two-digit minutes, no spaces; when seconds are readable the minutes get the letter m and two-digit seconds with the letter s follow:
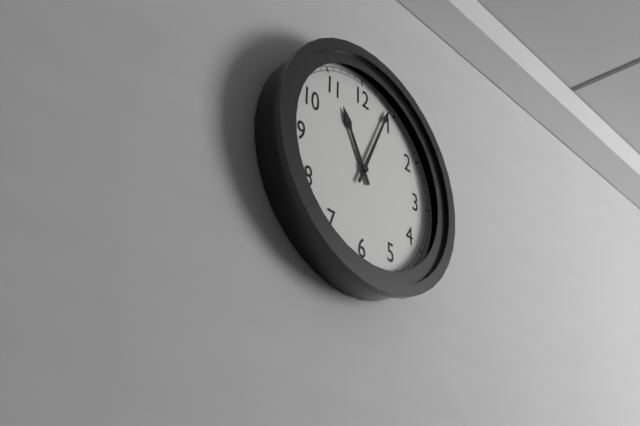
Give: 11h04
